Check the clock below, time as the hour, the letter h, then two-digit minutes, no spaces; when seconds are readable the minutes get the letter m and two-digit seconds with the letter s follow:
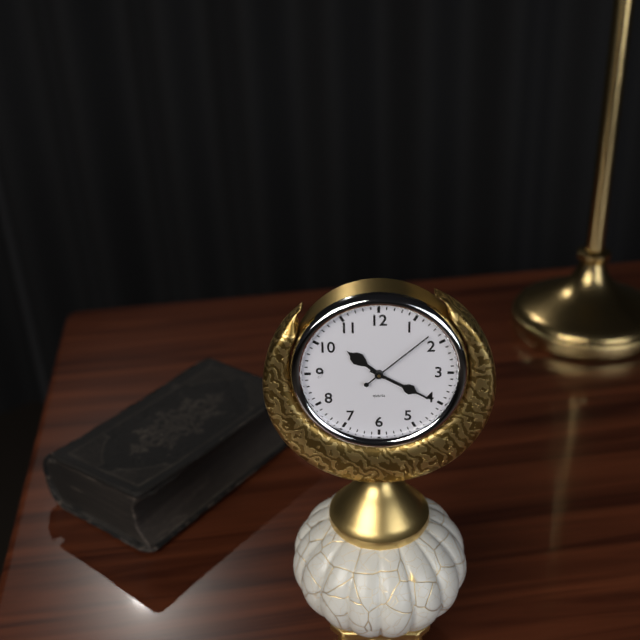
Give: 10h20m08s
